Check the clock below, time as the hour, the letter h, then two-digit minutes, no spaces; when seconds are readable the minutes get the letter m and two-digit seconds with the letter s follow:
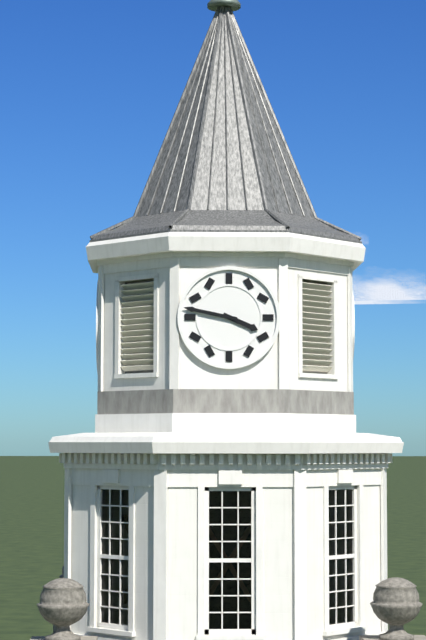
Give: 3h47
